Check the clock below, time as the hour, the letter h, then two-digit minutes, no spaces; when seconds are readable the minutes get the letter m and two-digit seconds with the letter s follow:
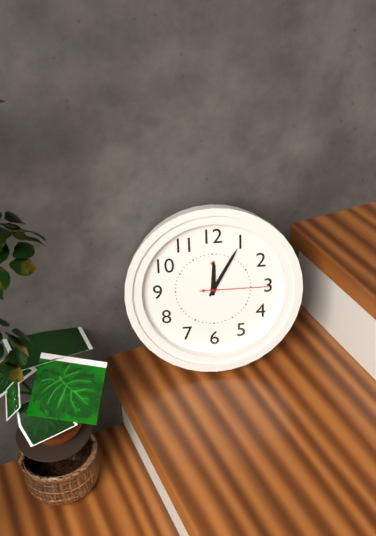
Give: 12h05m15s
